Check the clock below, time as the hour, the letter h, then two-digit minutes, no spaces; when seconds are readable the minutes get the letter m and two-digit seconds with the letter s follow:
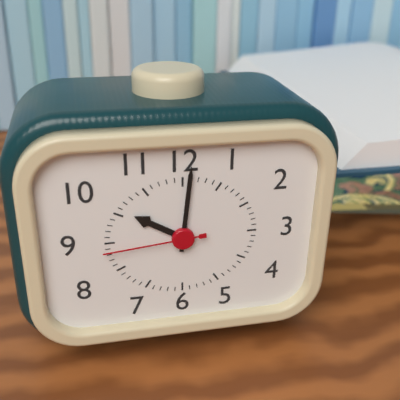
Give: 10h01m44s
